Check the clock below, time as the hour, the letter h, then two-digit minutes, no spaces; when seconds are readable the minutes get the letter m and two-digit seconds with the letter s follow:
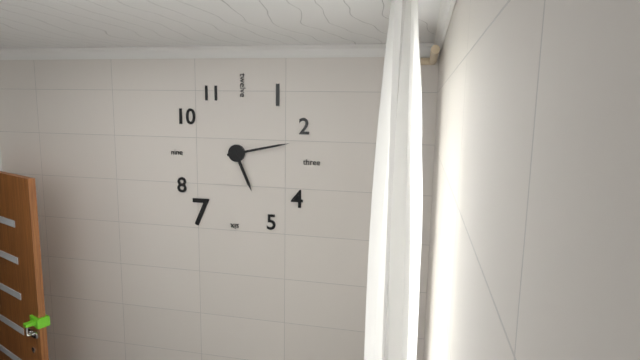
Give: 5h13
